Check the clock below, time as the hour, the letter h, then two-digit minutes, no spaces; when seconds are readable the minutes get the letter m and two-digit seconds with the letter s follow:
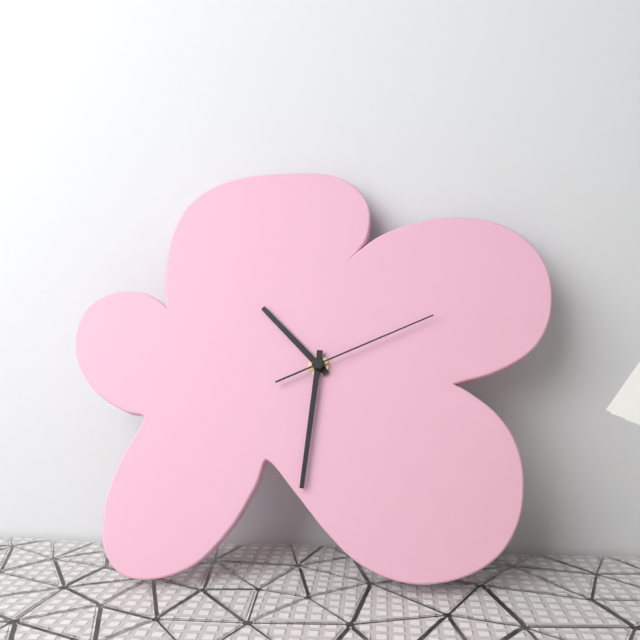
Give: 10h31m11s
